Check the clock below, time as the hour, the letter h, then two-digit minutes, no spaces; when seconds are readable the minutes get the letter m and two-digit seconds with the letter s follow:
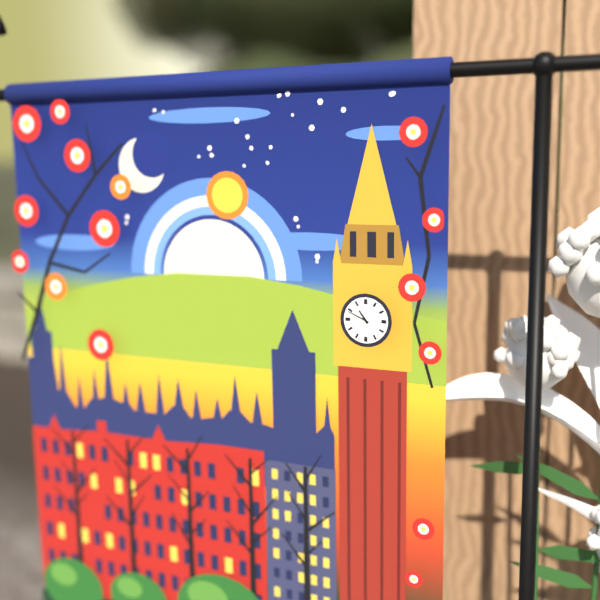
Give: 10h49
